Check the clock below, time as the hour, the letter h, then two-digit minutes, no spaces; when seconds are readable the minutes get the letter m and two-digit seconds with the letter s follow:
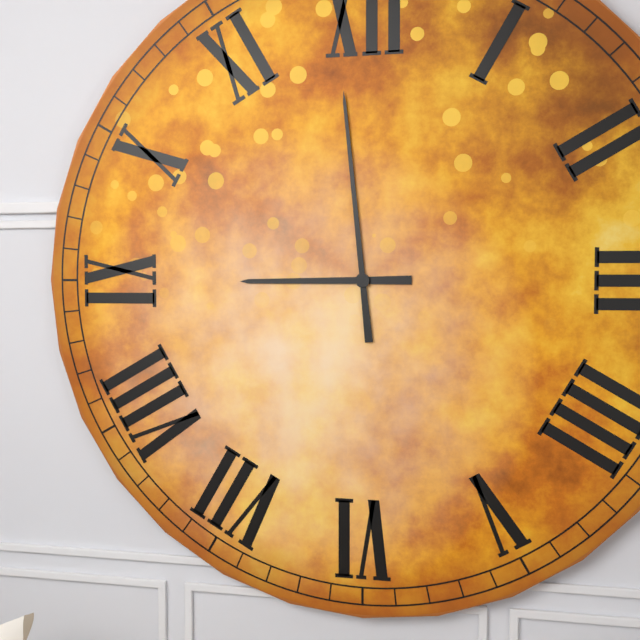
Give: 8h59
